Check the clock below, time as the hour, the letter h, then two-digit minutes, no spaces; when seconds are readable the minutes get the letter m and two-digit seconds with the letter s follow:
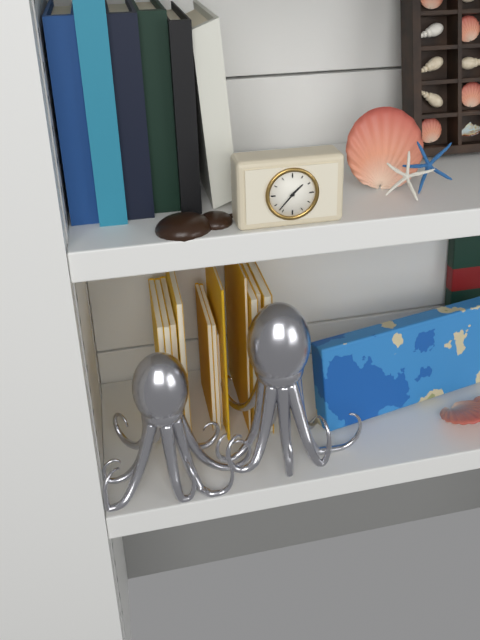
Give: 1h37
